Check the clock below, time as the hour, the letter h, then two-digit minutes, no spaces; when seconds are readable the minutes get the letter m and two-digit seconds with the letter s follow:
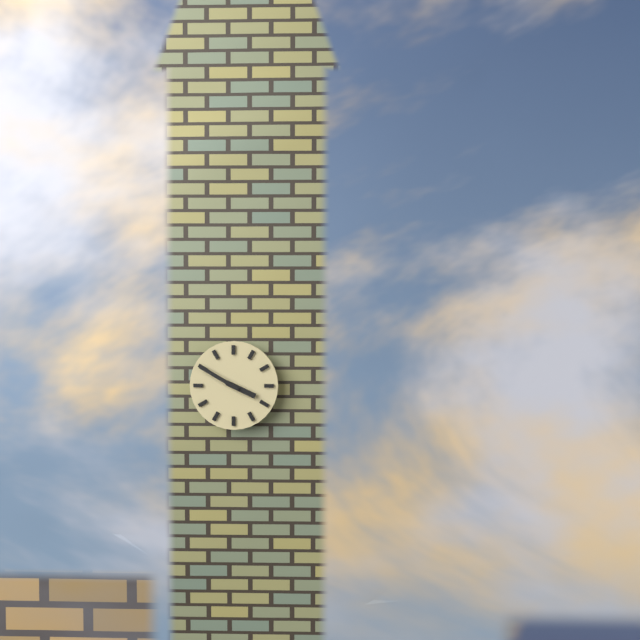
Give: 3h50
